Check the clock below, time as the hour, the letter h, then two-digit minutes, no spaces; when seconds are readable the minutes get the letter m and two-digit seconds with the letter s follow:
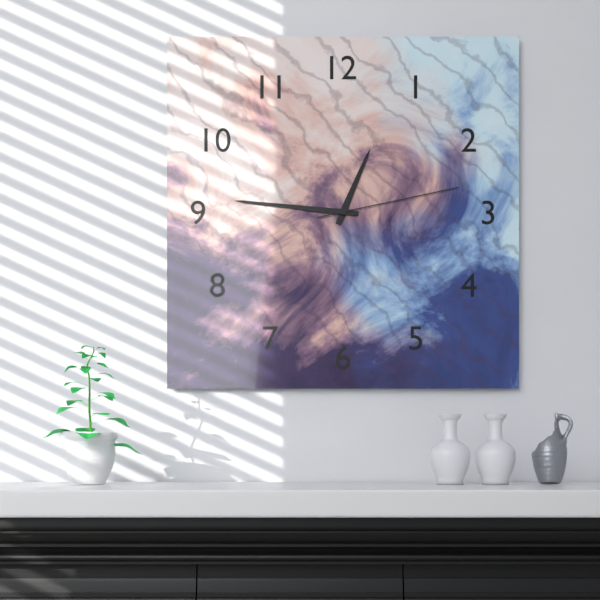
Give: 12h46m13s
